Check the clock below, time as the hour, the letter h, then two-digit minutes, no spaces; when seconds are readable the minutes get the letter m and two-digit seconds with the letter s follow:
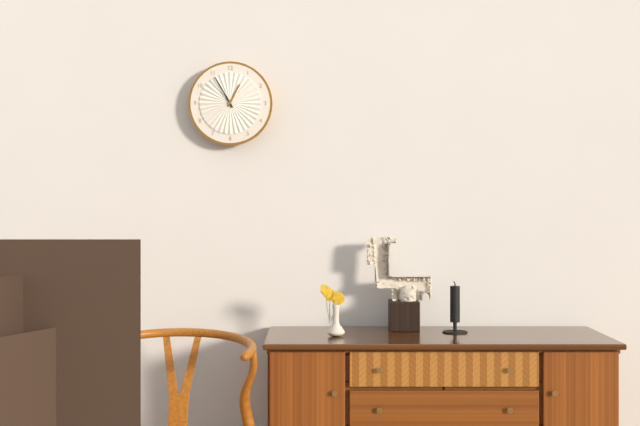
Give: 12h55
